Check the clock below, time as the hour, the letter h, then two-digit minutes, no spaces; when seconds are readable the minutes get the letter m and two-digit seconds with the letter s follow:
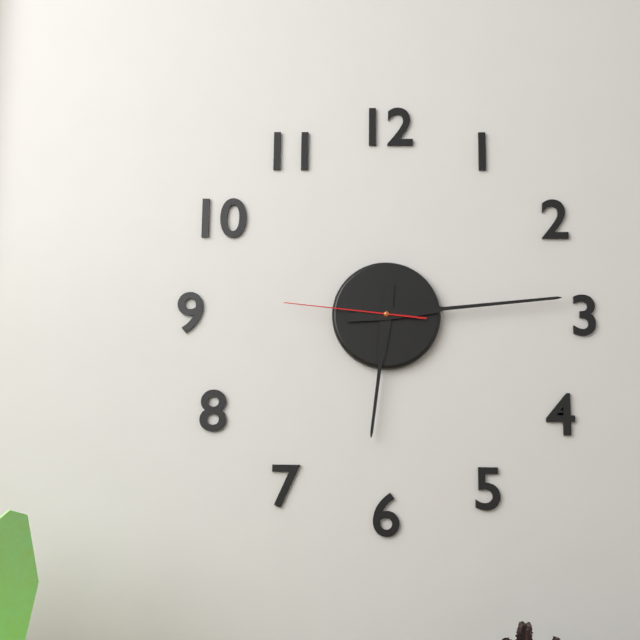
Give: 6h14m46s
